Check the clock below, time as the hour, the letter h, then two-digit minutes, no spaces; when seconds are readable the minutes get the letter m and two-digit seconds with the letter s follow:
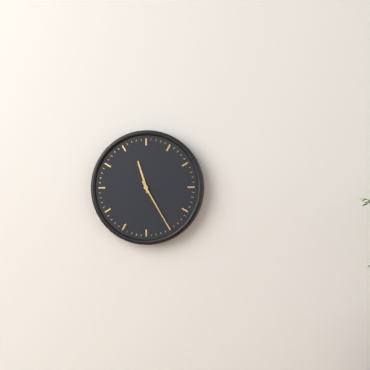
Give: 11h25
